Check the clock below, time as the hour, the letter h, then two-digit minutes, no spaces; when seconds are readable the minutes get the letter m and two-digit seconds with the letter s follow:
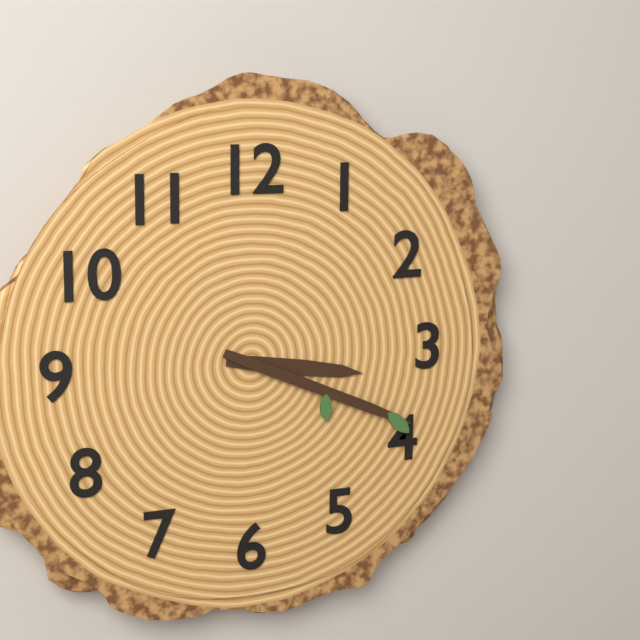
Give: 3h19
